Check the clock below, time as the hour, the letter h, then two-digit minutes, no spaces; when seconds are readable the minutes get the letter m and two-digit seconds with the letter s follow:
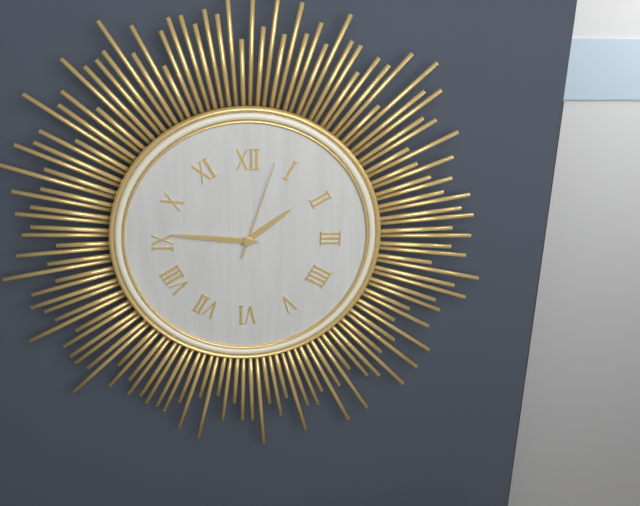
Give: 1h46m03s
